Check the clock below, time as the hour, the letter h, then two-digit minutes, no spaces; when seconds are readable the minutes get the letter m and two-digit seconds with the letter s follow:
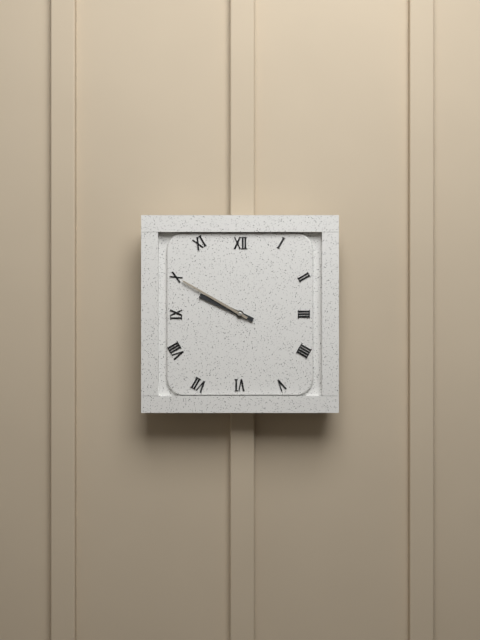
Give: 9h50
